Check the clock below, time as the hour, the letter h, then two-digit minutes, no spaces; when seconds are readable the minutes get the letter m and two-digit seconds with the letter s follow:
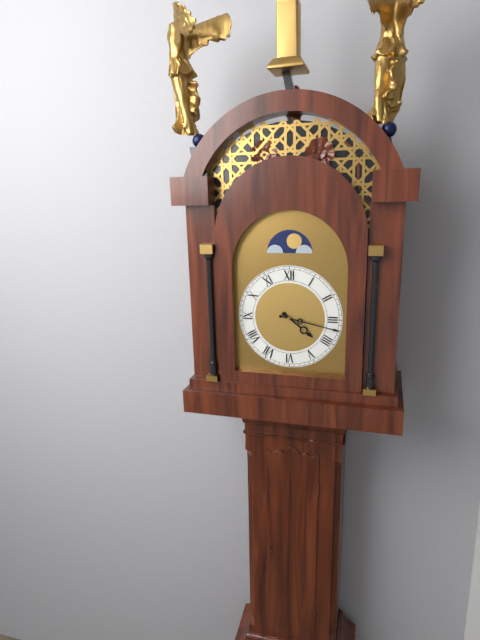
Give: 4h17
